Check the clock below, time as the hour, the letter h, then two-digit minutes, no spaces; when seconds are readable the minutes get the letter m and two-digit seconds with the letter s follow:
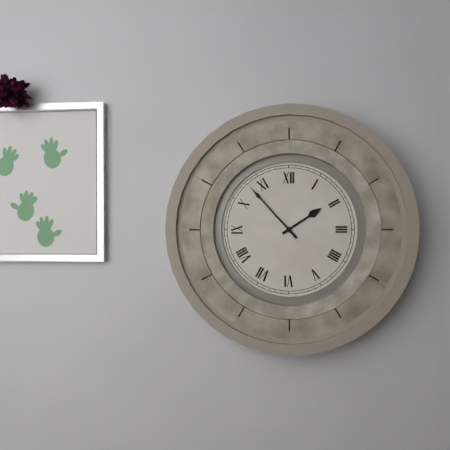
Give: 1h53
